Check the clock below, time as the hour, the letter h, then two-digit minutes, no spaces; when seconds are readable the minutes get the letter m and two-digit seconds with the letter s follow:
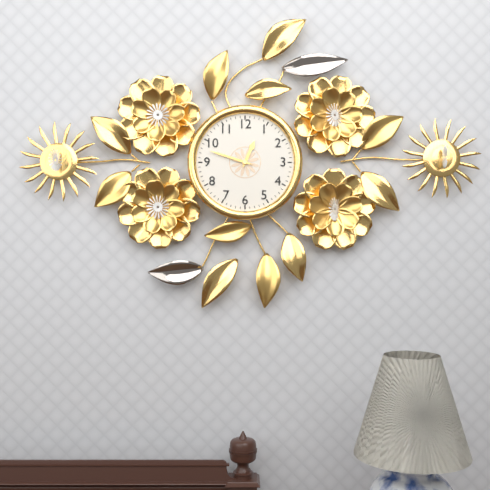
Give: 12h48
